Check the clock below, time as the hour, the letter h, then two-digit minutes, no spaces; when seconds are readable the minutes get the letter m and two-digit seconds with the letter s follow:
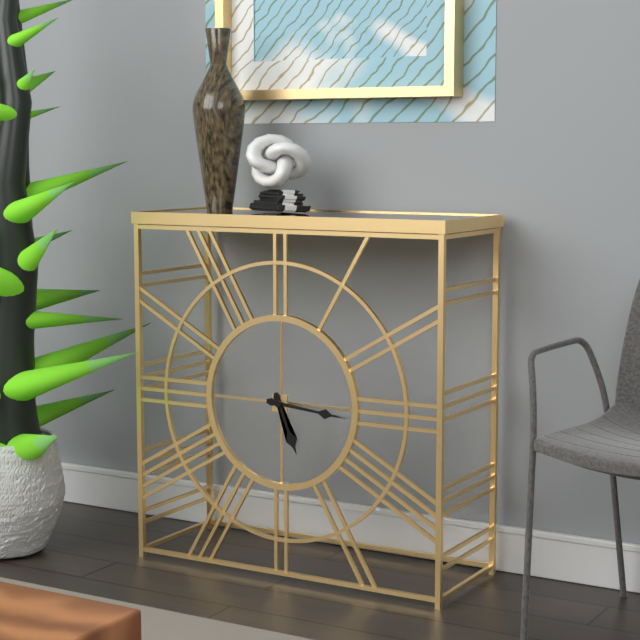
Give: 5h16
